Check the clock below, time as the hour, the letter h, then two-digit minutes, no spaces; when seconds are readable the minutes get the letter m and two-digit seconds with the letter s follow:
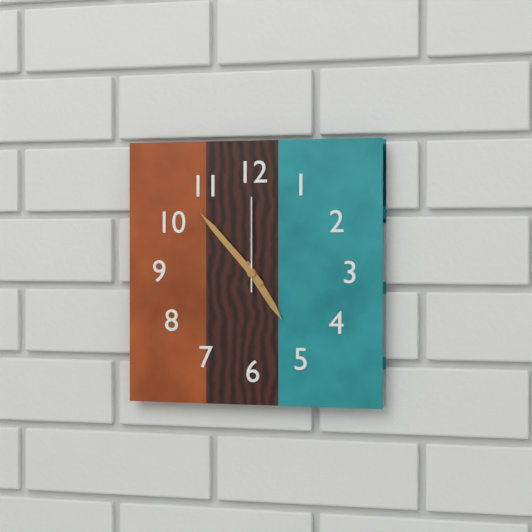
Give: 4h53m00s
